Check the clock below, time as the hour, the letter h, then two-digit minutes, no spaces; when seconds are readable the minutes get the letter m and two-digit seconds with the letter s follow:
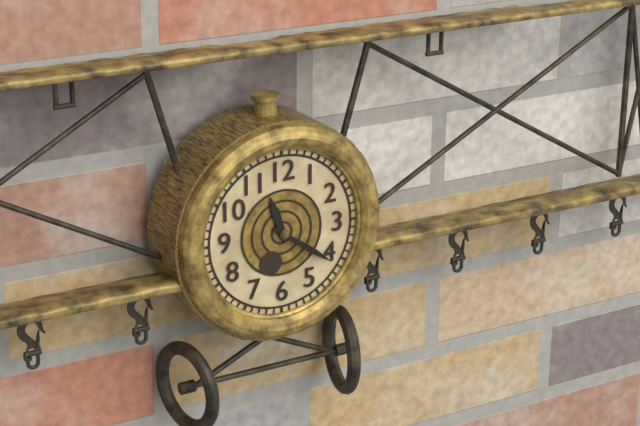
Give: 11h21
